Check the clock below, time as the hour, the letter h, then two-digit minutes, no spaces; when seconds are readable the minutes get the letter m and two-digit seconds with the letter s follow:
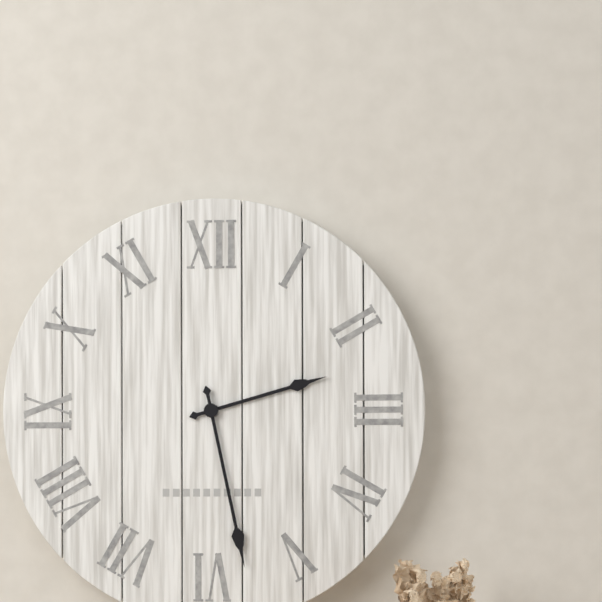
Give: 2h28
